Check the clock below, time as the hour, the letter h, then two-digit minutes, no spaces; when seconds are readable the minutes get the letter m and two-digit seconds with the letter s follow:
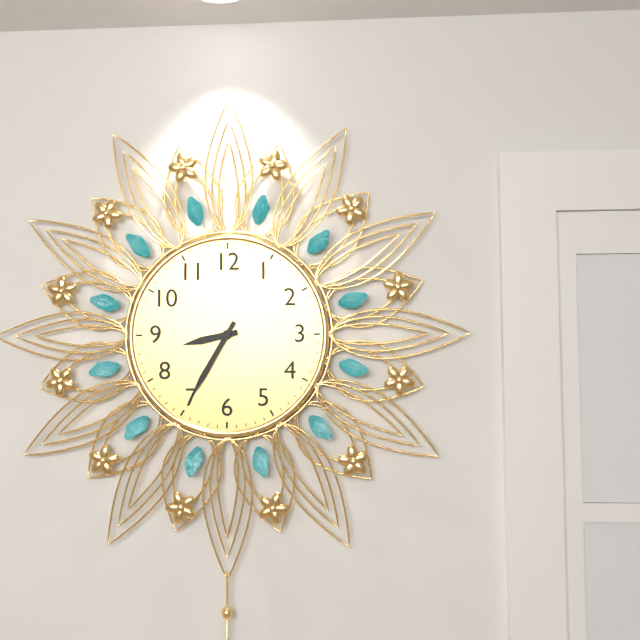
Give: 8h35
